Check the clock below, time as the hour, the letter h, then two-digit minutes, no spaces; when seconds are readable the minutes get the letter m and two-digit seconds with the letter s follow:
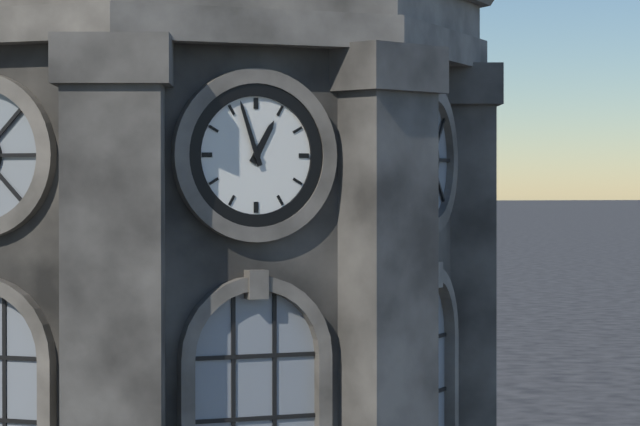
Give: 12h57
